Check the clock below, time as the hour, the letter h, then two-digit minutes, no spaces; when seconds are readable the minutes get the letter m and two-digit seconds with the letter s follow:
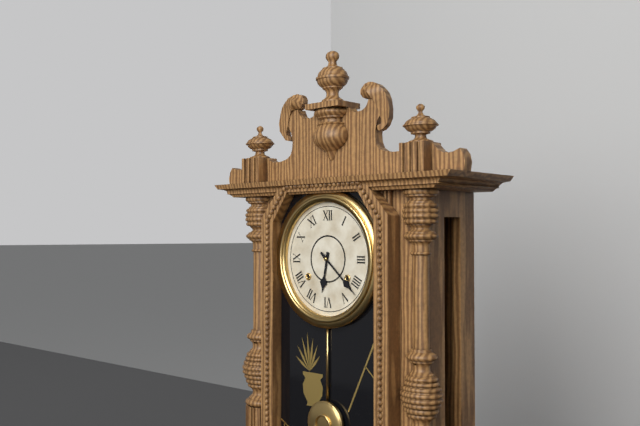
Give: 6h22
